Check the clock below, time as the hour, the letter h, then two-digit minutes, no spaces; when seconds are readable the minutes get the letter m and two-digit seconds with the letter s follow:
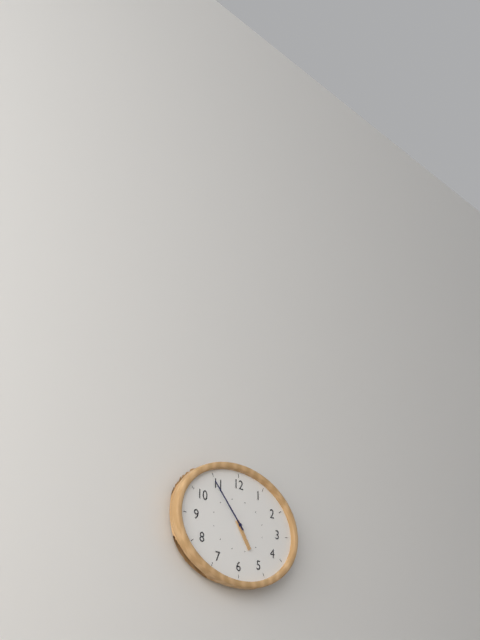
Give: 4h53
